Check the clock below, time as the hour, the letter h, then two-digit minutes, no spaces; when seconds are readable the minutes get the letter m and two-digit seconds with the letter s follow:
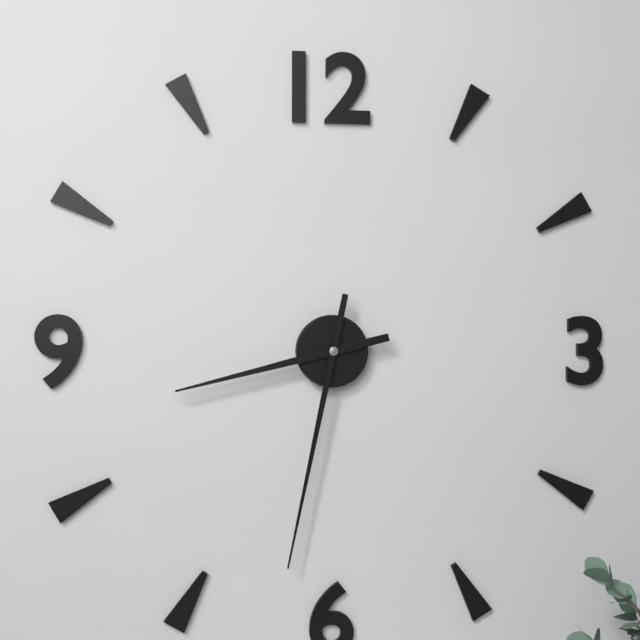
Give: 8h32
